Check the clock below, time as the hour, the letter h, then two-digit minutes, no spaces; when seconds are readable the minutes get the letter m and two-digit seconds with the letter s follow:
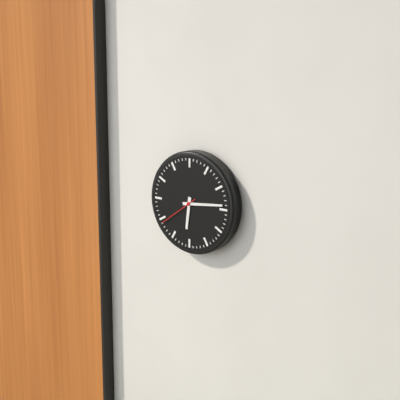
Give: 6h14
